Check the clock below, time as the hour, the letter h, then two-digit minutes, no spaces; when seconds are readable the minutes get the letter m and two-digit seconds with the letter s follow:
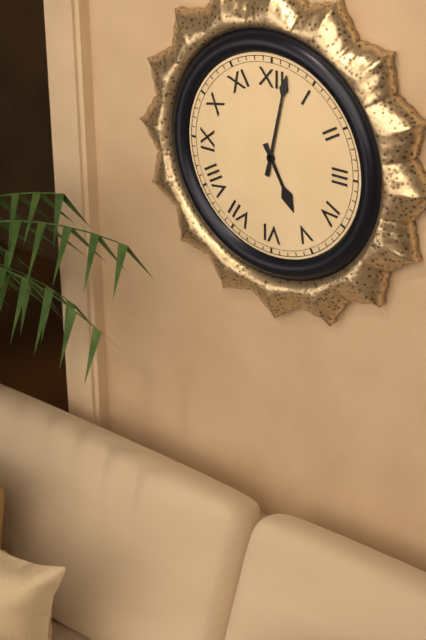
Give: 5h02
